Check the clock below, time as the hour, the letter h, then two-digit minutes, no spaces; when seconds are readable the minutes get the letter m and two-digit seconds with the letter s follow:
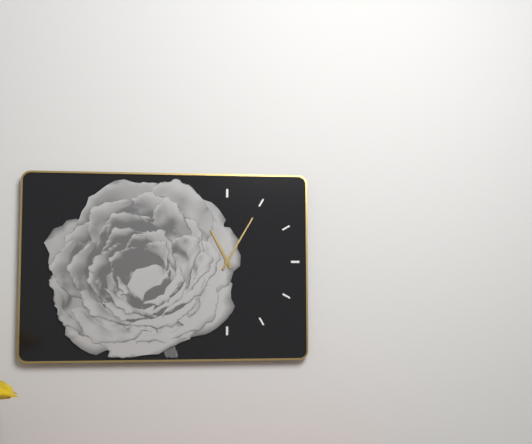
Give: 11h05
